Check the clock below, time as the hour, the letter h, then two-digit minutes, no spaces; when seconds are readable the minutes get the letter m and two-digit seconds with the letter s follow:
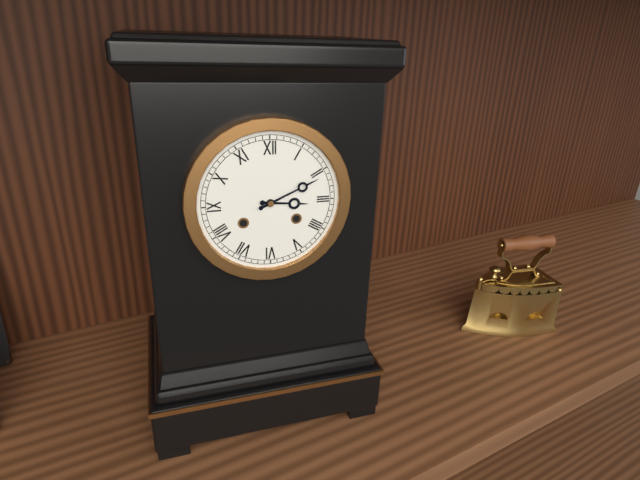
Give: 3h11
